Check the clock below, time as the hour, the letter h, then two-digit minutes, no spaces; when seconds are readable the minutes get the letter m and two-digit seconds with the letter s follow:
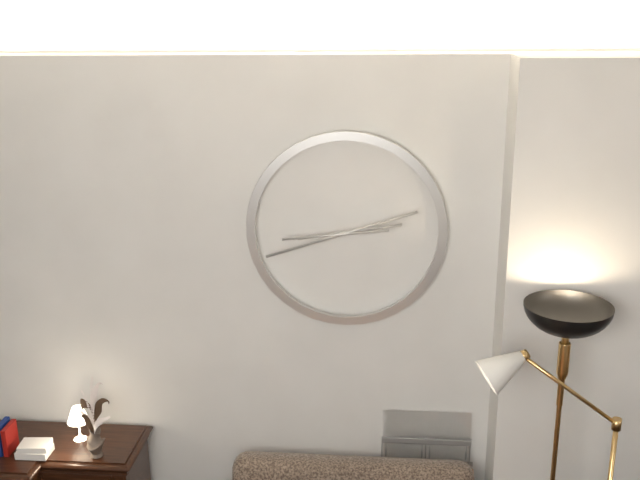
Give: 2h42m44s
